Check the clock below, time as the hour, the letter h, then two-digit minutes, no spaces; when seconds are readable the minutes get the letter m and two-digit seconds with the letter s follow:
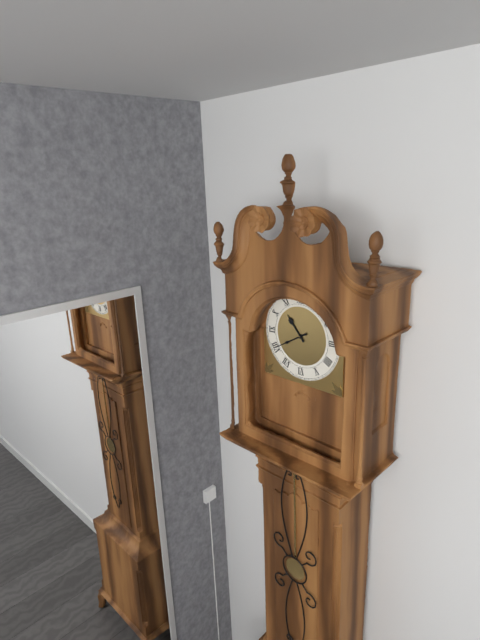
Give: 10h40
